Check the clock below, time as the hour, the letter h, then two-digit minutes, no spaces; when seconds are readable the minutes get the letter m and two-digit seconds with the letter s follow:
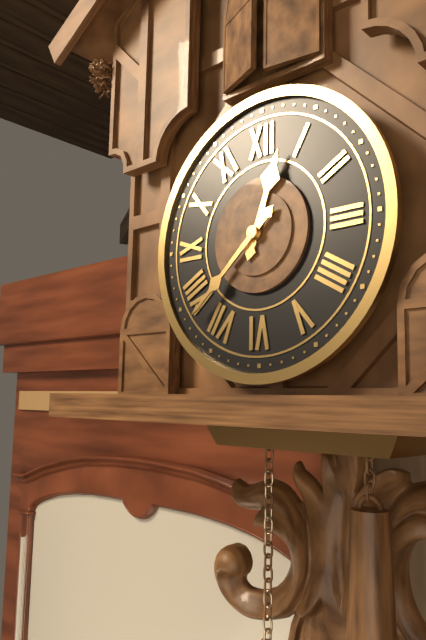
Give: 12h38
